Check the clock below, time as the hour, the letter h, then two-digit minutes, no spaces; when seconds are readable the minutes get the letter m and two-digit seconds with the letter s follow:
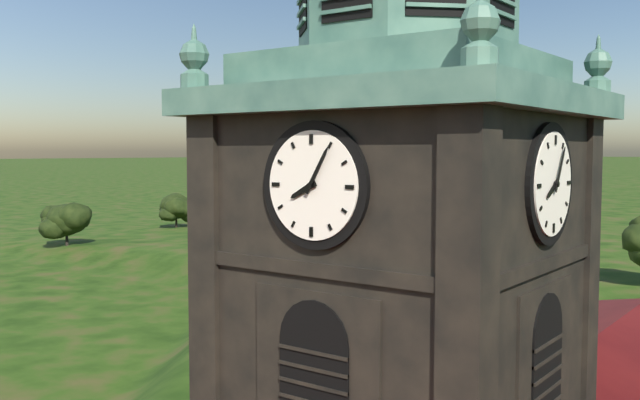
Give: 8h05
